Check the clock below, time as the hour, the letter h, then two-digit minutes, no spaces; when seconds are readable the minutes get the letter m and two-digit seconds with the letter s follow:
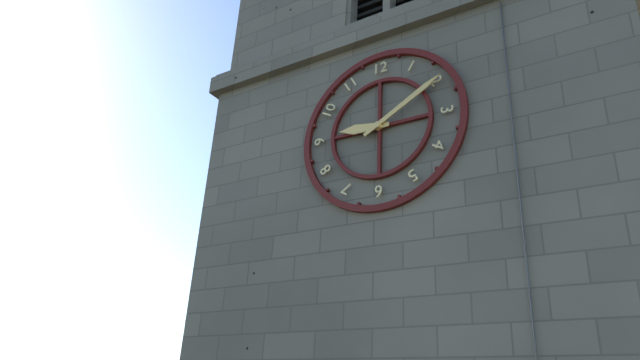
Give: 9h10
